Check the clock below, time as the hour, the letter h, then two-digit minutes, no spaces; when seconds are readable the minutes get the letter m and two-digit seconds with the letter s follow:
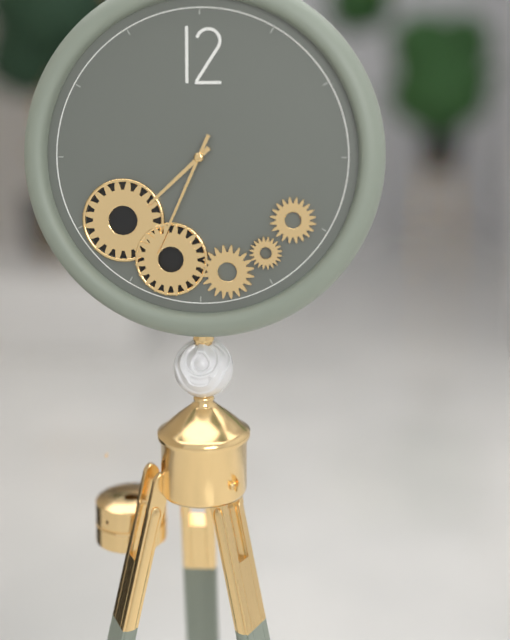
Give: 7h34
